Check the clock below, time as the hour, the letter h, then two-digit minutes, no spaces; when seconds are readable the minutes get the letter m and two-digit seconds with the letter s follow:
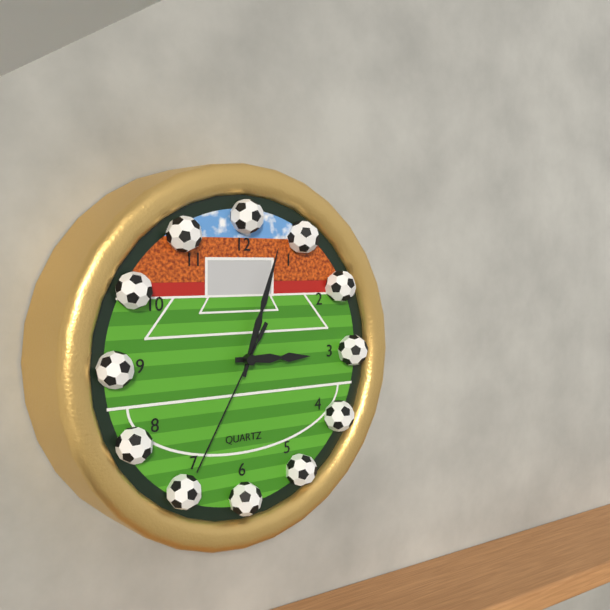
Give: 3h03m35s
